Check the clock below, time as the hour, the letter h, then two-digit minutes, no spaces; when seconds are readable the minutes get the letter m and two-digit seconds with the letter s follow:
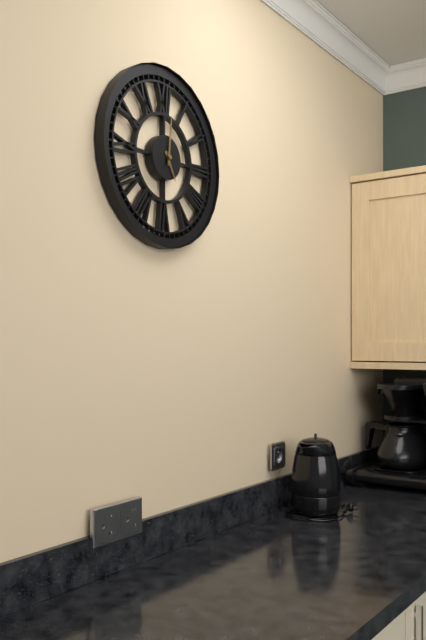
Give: 5h01
